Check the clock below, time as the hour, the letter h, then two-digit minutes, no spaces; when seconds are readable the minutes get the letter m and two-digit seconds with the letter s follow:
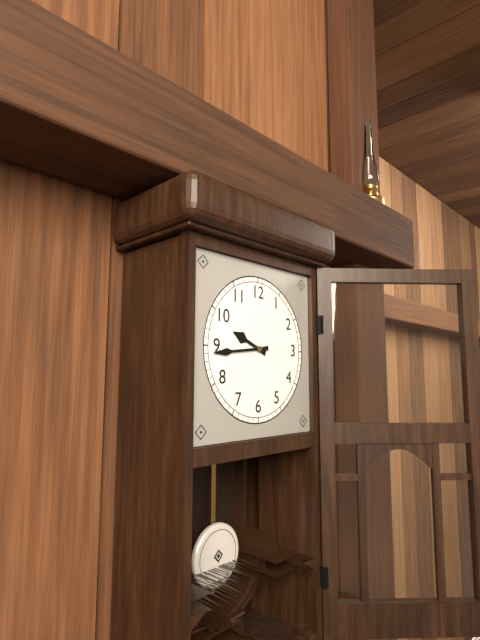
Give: 9h44
